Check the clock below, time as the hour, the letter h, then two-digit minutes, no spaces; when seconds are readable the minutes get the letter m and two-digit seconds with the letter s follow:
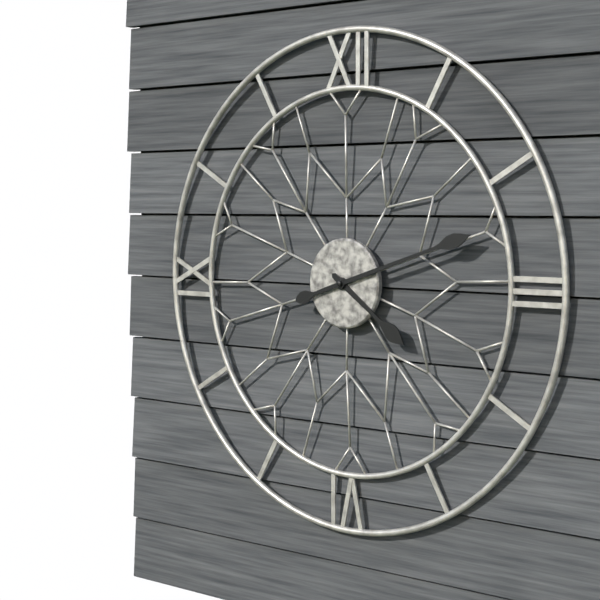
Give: 4h12
